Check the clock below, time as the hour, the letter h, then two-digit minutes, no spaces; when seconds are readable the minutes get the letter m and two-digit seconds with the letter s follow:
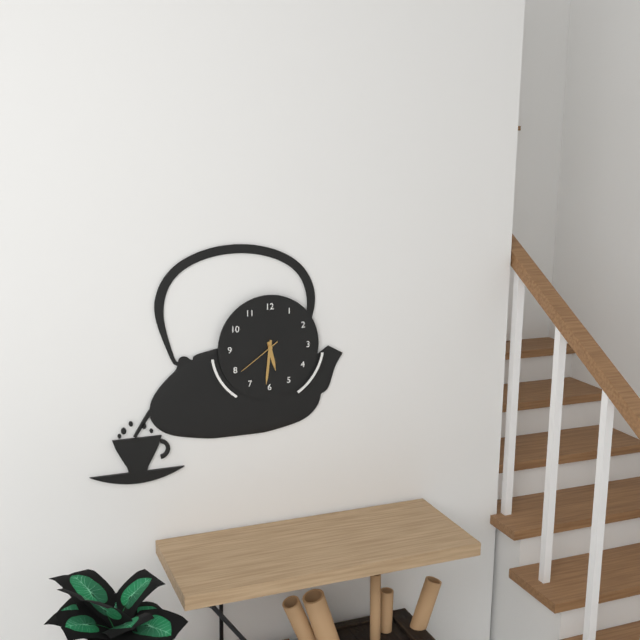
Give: 5h31
